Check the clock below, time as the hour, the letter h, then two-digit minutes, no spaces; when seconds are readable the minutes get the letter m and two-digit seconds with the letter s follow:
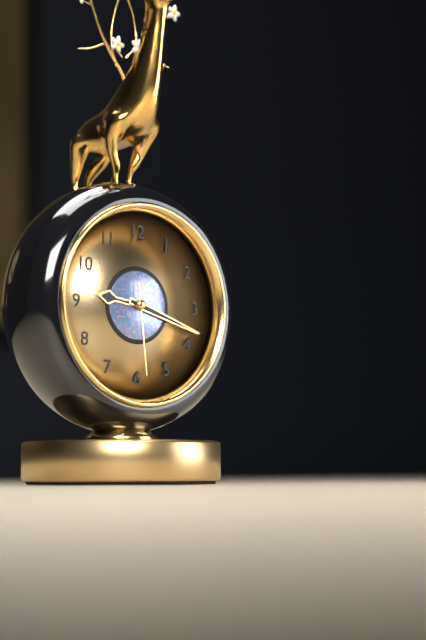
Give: 9h18m29s
